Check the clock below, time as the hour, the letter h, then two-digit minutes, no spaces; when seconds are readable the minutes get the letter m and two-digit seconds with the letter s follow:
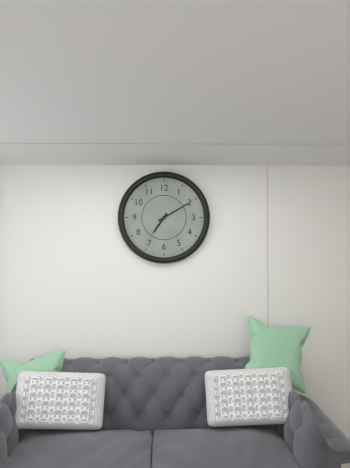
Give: 7h10
